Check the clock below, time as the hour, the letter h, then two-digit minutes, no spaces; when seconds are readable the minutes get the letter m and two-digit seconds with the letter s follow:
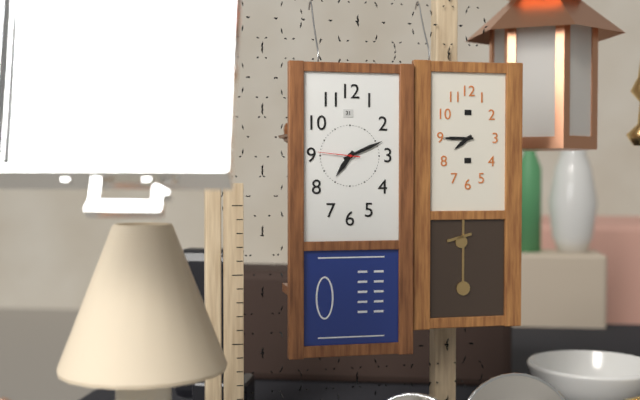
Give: 7h11
